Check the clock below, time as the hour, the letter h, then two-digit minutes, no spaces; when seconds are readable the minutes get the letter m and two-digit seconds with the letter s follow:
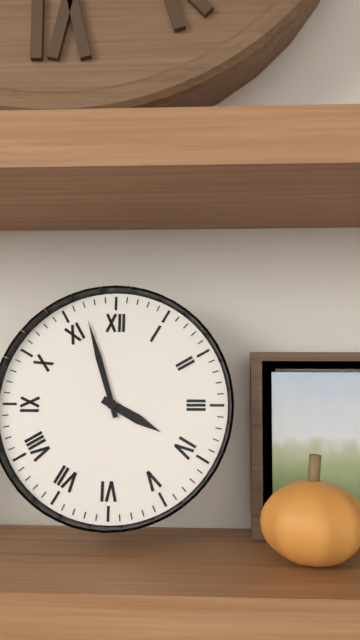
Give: 3h57
